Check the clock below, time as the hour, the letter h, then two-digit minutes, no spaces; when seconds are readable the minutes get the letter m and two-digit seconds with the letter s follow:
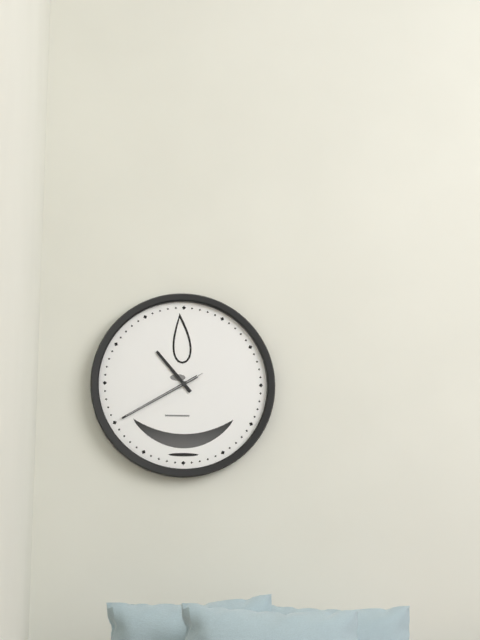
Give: 10h40m40s
